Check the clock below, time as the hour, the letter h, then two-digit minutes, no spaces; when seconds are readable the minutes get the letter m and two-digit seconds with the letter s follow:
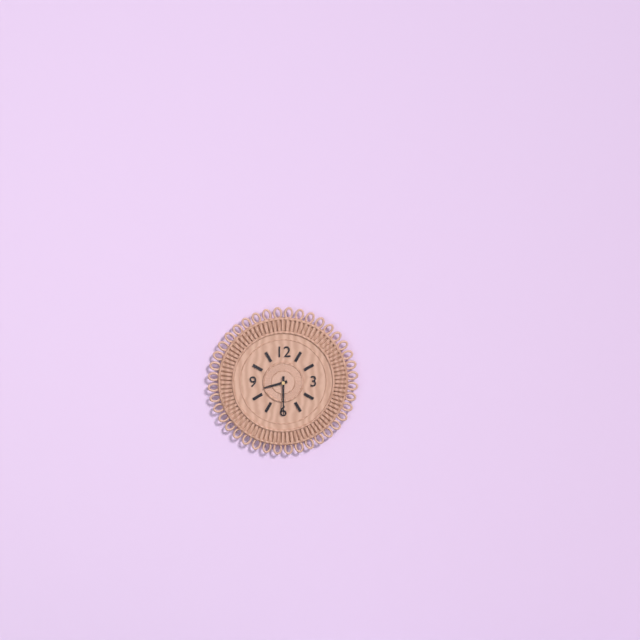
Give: 8h30
